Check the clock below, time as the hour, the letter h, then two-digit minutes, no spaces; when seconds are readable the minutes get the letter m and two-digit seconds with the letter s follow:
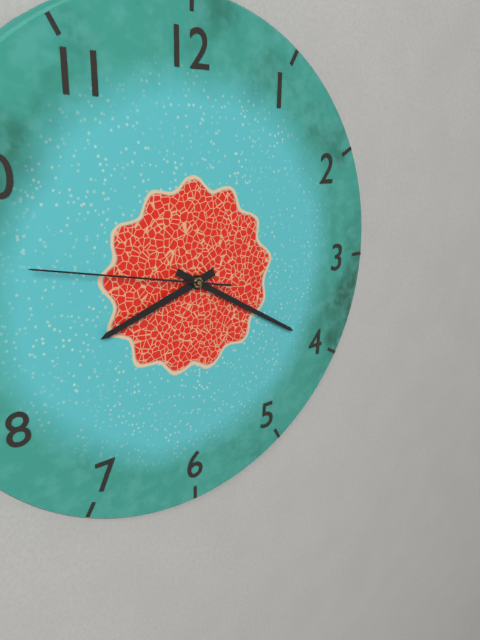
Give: 8h20m47s
